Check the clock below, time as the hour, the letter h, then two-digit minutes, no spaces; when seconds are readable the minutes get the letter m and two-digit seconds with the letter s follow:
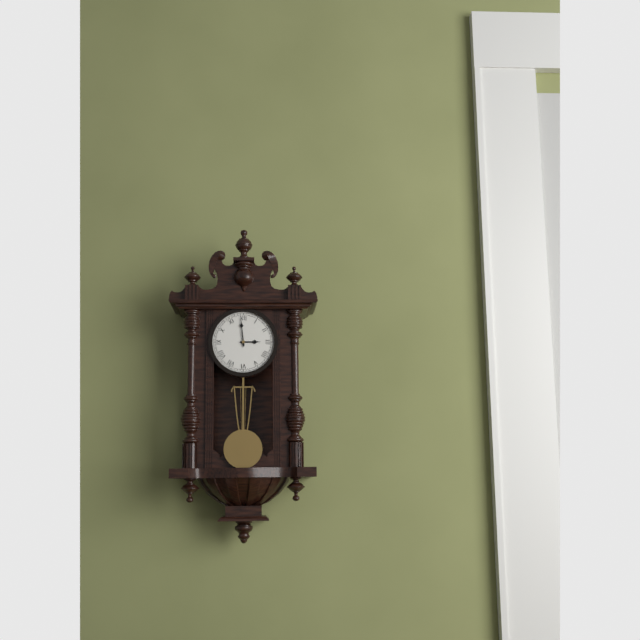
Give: 2h59
